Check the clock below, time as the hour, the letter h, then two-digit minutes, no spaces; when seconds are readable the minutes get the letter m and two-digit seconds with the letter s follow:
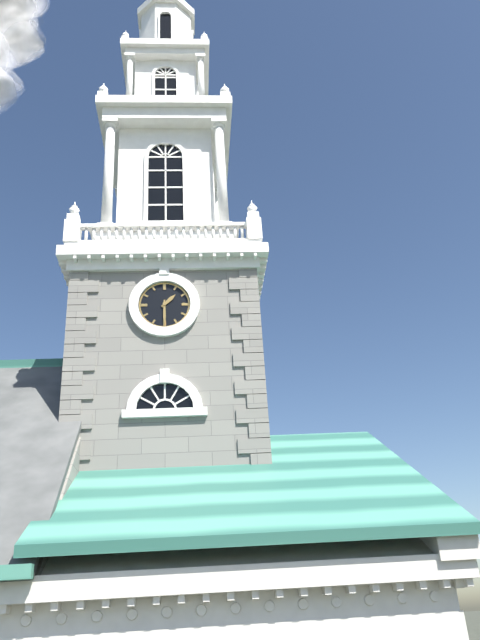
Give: 1h30
